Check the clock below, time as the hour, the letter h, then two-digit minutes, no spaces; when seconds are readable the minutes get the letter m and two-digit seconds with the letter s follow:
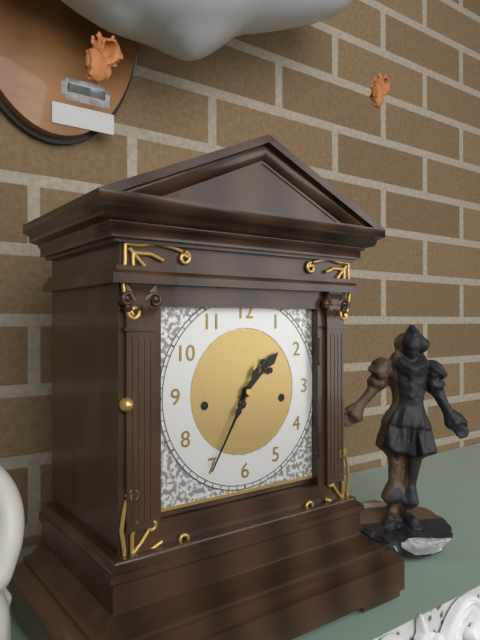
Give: 1h35
